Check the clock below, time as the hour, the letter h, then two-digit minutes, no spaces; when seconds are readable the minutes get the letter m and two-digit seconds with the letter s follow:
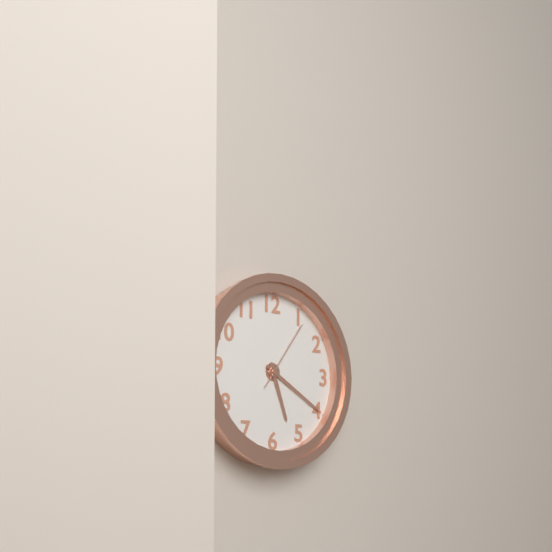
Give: 5h20m06s
